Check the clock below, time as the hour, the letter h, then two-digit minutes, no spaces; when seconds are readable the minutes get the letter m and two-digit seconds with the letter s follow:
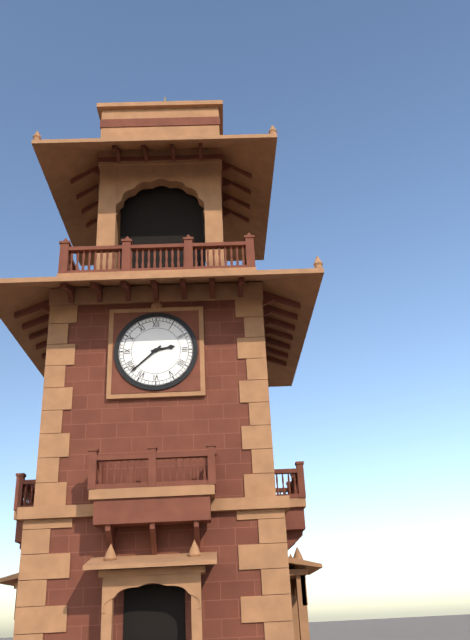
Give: 2h38
